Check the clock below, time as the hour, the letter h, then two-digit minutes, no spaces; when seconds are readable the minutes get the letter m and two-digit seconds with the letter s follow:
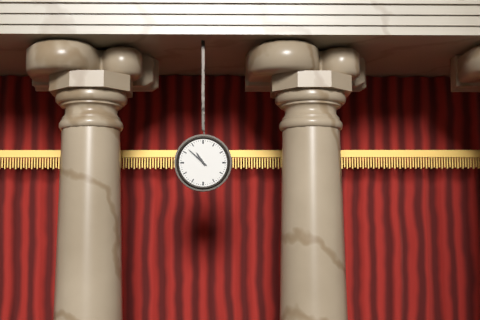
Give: 10h52
